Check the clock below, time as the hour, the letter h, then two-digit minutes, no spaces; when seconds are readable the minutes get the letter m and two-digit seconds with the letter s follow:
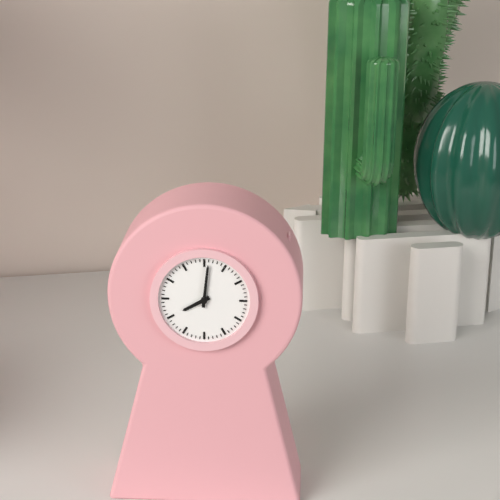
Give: 8h01
